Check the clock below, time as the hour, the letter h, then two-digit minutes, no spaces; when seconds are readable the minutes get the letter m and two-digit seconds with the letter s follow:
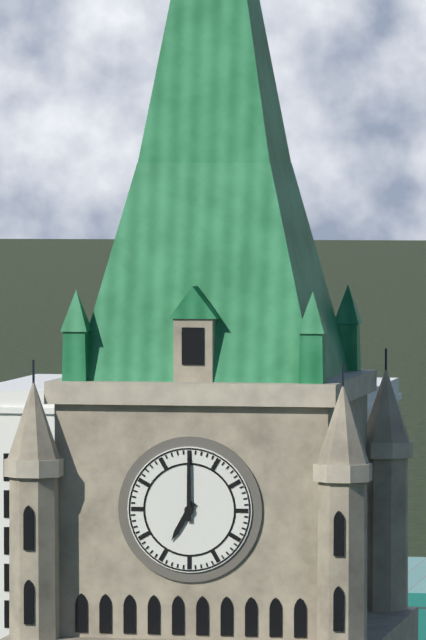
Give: 7h00
